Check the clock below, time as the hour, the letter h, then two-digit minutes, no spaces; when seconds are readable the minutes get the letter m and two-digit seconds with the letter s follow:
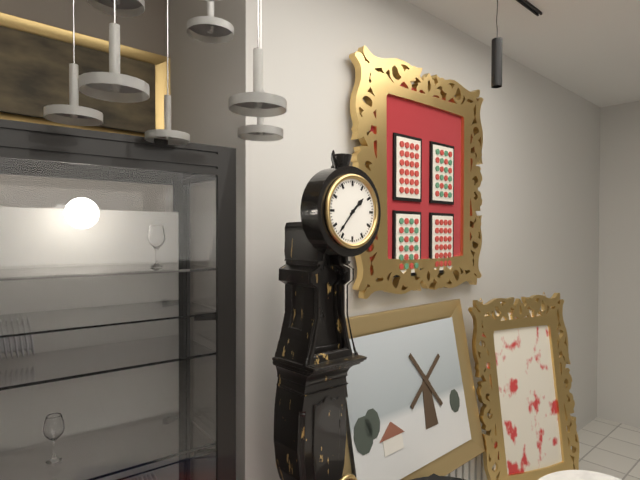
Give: 1h37
